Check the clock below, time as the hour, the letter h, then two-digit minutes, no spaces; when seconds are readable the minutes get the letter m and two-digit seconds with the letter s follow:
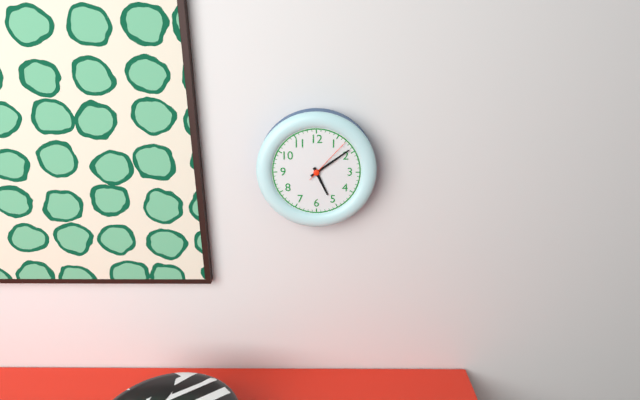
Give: 5h09
